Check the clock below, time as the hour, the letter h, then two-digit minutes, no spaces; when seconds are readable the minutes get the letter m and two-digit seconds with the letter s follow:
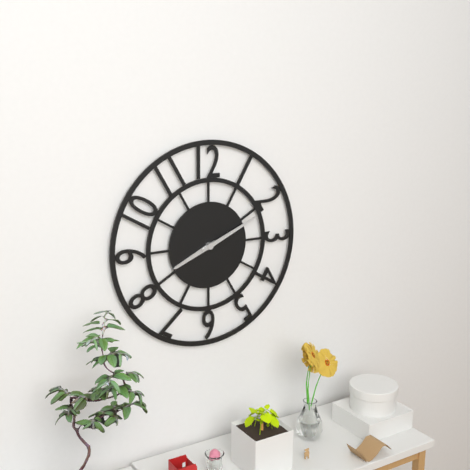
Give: 8h11
